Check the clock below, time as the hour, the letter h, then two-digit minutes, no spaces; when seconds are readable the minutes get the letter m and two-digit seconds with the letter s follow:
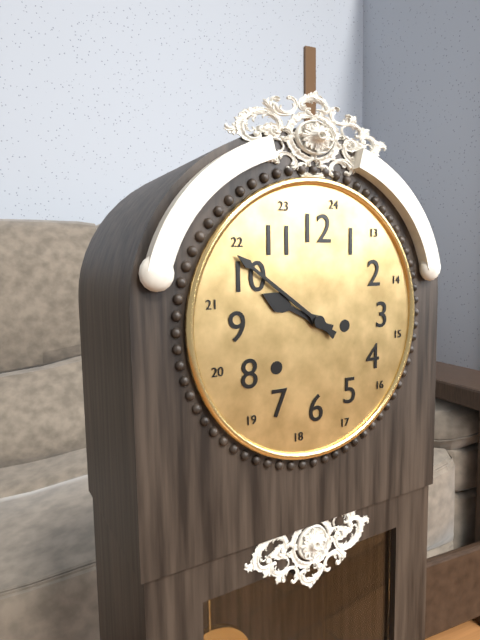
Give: 9h51
